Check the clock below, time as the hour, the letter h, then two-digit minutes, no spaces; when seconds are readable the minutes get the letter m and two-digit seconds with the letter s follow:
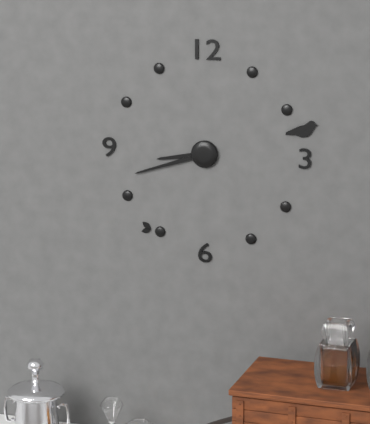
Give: 8h42
